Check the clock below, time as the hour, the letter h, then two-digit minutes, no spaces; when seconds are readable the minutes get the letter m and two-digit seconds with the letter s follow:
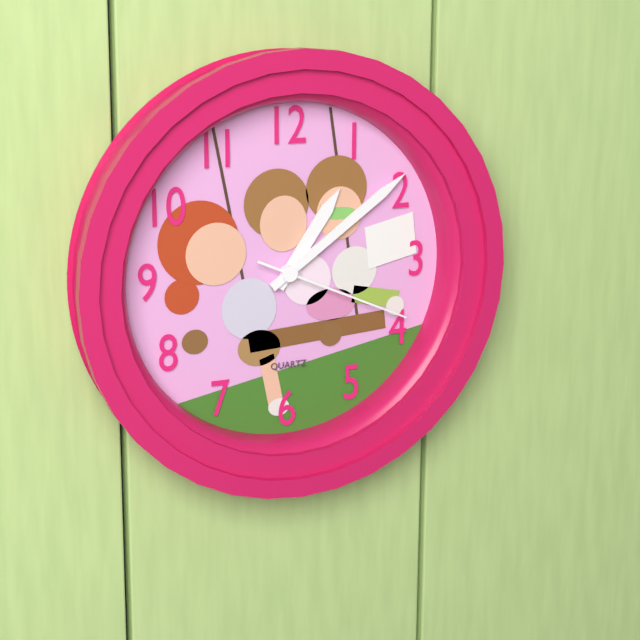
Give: 1h09m19s
